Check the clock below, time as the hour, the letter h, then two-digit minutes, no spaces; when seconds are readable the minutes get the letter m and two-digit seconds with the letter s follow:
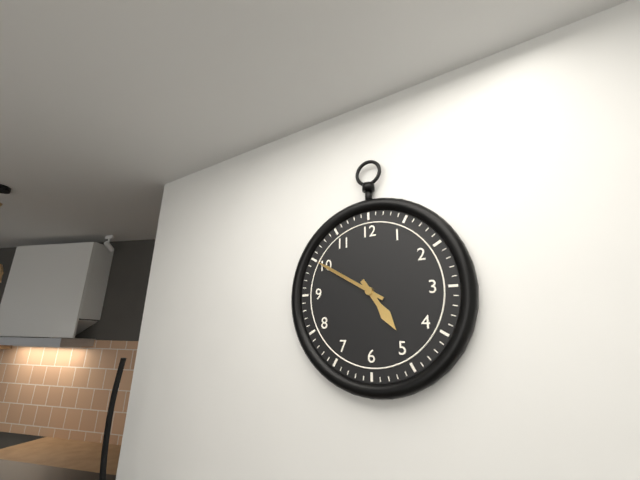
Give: 4h50
